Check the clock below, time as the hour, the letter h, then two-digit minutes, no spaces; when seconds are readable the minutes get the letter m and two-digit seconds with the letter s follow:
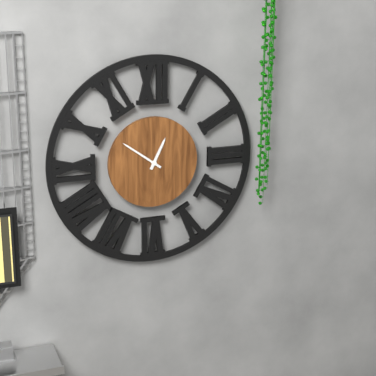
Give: 12h51
